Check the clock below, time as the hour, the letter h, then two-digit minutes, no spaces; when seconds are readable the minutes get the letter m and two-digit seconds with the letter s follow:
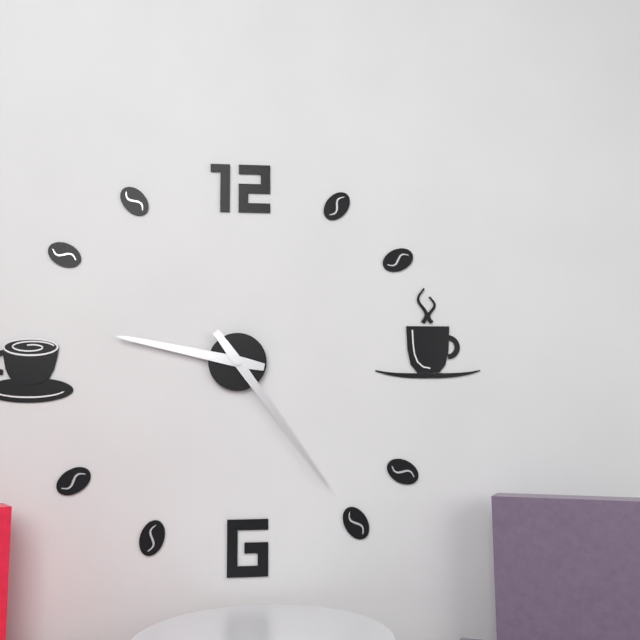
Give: 9h24
